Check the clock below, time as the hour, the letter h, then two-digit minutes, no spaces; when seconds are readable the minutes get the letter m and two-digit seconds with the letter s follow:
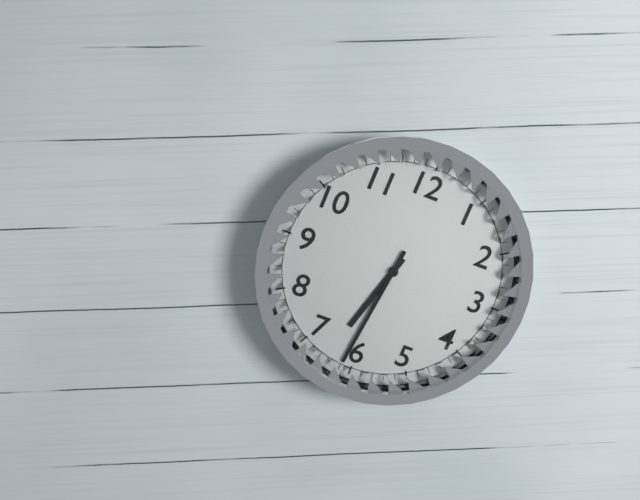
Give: 6h31
